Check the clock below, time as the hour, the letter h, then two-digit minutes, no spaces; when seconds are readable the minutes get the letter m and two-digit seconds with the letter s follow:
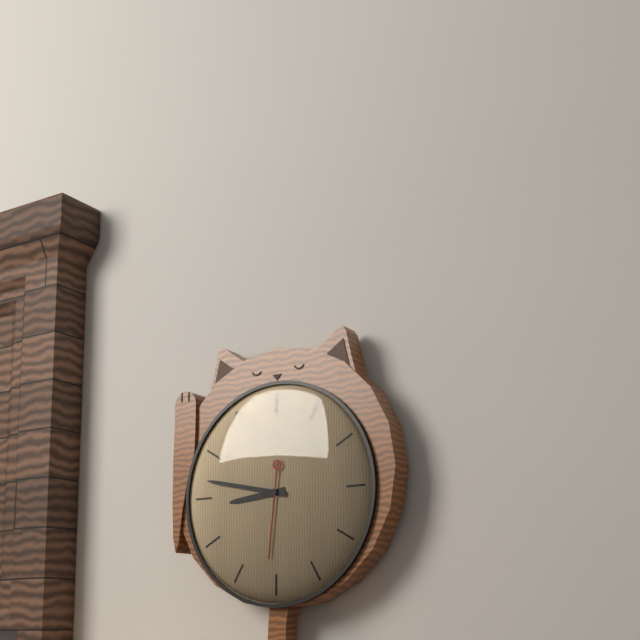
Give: 8h47m31s
